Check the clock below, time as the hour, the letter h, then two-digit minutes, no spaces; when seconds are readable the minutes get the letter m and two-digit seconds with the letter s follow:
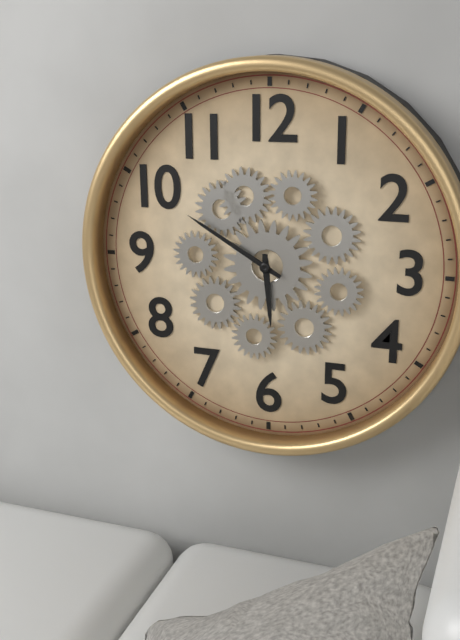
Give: 5h50
